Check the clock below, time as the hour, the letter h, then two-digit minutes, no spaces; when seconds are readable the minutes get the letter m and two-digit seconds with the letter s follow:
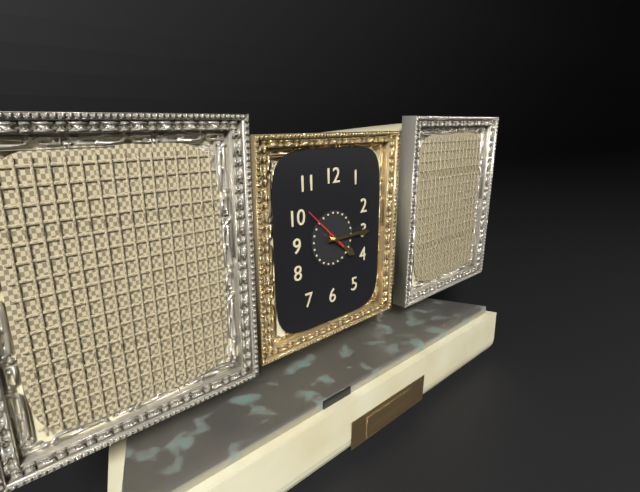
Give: 4h15
